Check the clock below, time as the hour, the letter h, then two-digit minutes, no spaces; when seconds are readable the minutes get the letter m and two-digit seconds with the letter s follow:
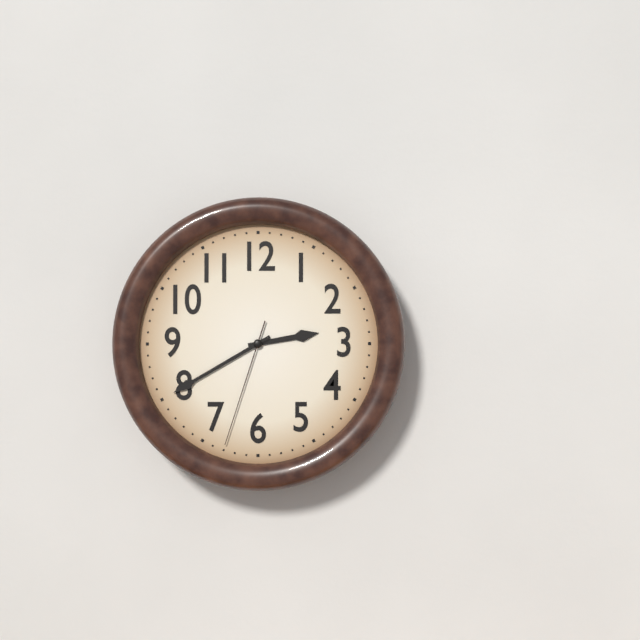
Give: 2h40m33s
